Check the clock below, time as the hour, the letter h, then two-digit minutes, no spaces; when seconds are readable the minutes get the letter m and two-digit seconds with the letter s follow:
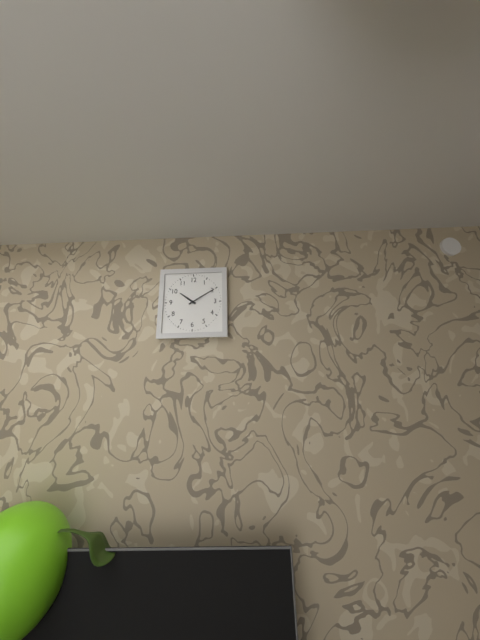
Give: 10h10
